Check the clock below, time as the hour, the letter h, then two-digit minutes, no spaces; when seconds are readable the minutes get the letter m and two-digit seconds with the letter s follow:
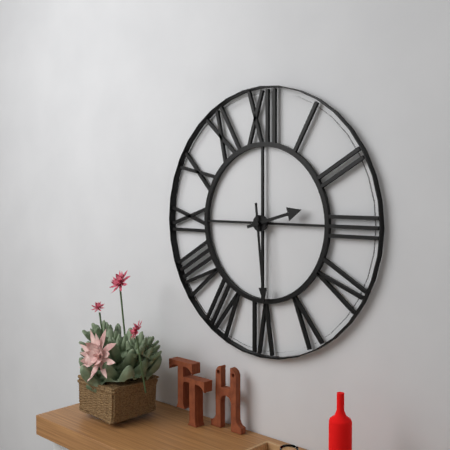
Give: 2h29
